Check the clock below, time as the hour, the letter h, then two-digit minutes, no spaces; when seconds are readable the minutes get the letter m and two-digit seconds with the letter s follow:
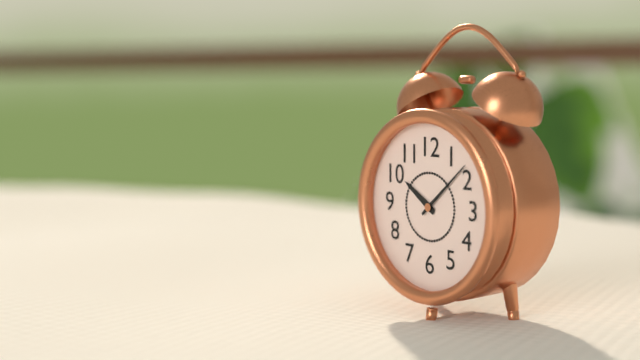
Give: 10h08
